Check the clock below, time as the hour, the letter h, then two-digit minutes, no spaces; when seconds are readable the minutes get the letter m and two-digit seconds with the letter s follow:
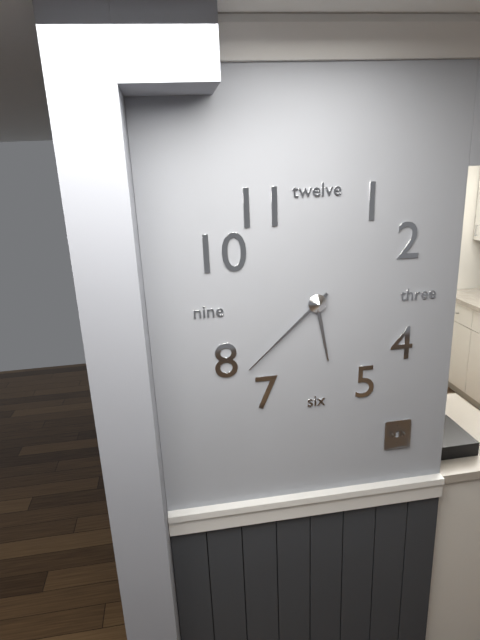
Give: 5h38
